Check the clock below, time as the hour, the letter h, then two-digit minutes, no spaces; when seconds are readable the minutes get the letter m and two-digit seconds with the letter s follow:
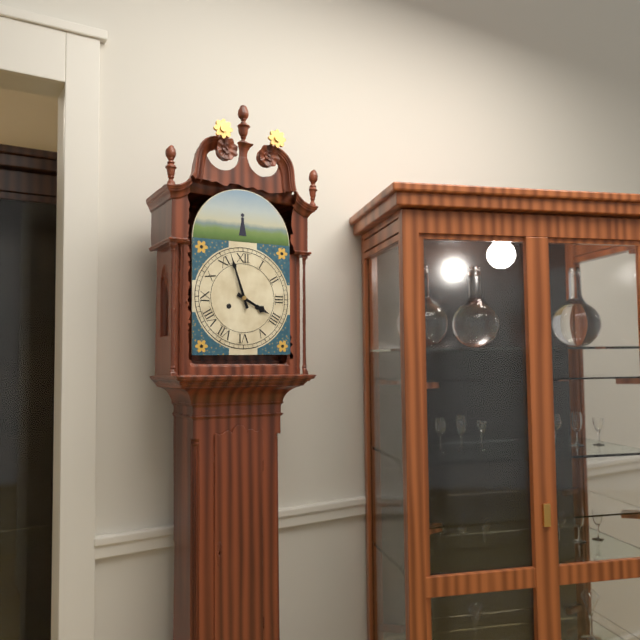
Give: 3h57
